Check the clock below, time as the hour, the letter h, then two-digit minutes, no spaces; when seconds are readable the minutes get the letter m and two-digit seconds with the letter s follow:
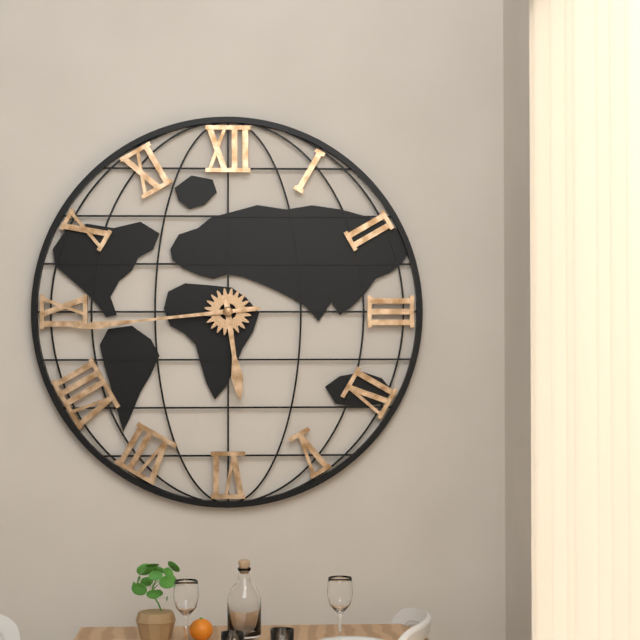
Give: 5h44
